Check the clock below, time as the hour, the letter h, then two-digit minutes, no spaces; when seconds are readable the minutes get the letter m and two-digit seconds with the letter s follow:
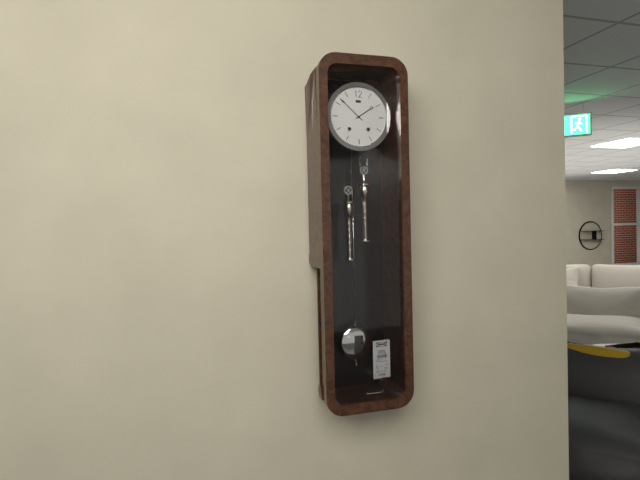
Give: 1h52
